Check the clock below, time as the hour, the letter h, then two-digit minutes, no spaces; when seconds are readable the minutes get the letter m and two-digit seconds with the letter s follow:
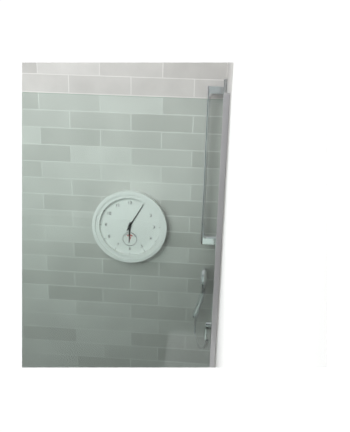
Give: 6h05
